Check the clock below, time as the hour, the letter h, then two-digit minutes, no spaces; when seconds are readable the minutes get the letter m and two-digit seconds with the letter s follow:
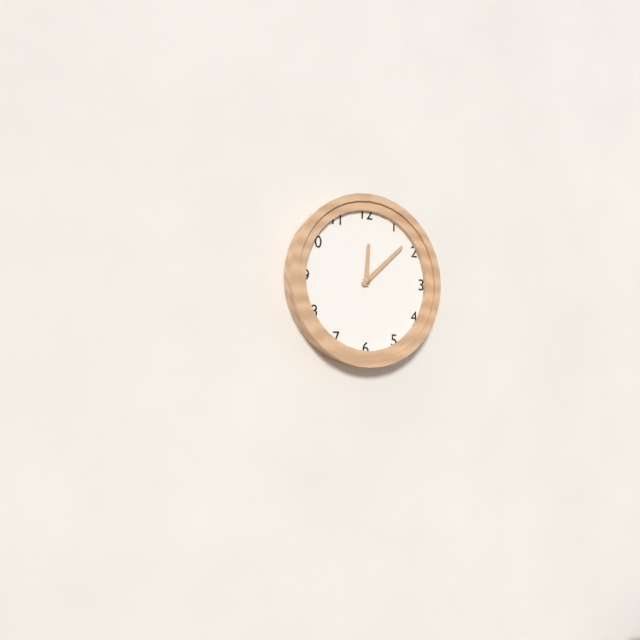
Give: 12h08
